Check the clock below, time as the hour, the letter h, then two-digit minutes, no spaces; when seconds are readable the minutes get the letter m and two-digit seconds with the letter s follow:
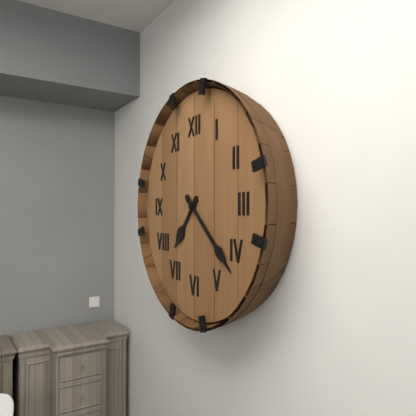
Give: 7h22
